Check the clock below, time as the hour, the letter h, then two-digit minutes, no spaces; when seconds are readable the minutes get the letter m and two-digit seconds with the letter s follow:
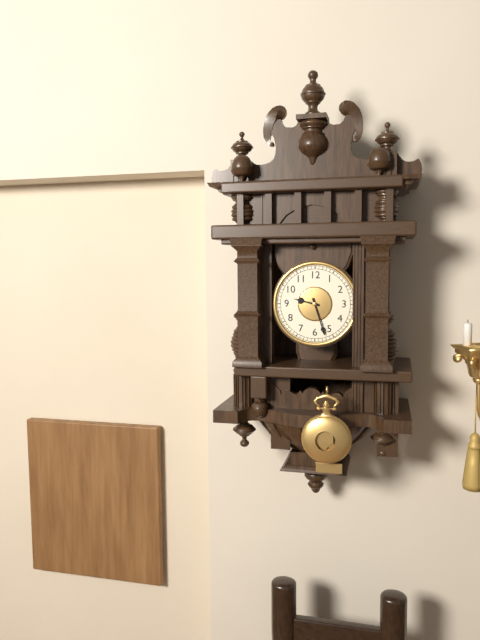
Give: 9h27
